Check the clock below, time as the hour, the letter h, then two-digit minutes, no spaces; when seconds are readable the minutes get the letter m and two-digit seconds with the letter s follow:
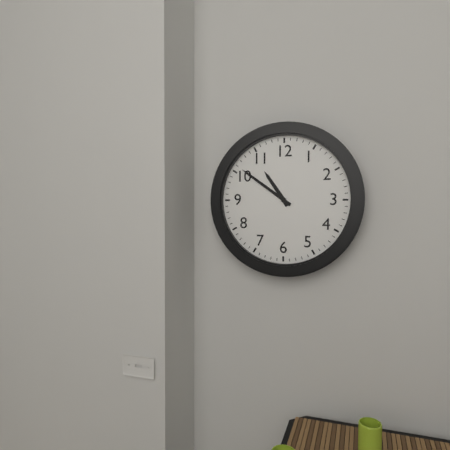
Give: 10h51
